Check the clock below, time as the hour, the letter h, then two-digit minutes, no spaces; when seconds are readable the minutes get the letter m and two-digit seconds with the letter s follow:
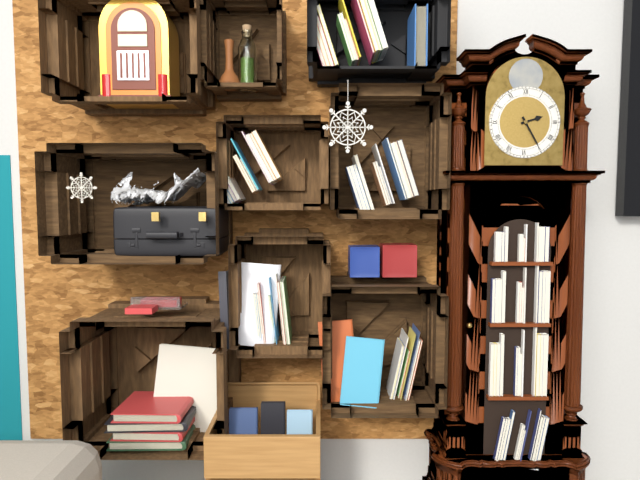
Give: 2h25
